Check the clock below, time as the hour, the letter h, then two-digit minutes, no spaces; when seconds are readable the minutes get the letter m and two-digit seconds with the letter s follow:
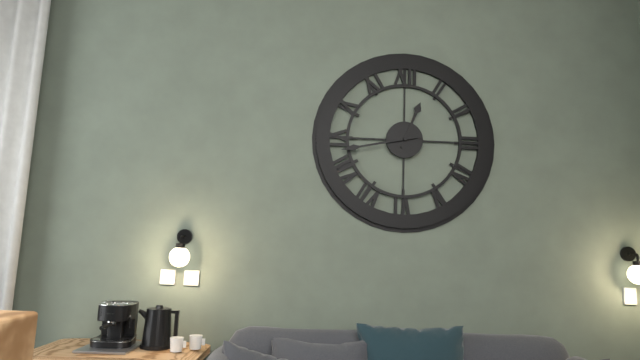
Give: 12h43
